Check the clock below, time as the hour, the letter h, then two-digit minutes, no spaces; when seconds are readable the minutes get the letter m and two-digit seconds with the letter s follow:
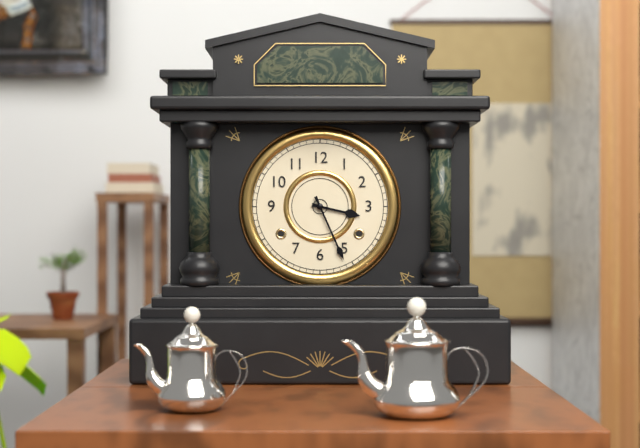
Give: 3h26
